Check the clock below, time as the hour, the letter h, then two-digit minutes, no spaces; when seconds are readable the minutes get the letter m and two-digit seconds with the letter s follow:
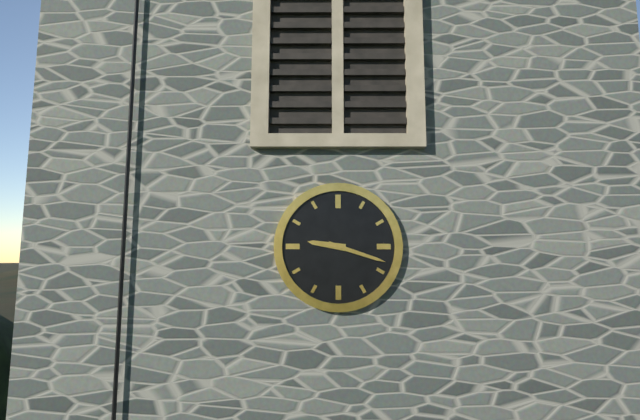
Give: 9h18
